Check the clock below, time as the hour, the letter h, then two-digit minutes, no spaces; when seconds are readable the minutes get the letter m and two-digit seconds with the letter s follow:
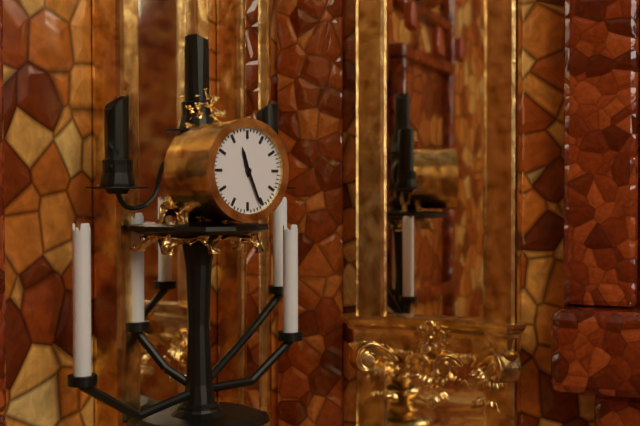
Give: 11h26
